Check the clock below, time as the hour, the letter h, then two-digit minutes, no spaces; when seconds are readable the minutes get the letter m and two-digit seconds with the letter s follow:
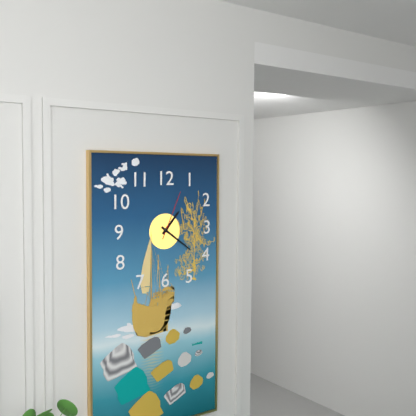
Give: 1h21m04s
